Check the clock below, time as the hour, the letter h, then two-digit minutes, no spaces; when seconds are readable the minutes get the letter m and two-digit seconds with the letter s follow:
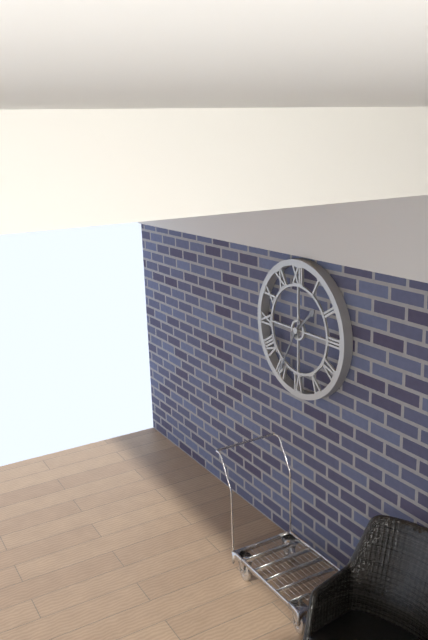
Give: 1h35
